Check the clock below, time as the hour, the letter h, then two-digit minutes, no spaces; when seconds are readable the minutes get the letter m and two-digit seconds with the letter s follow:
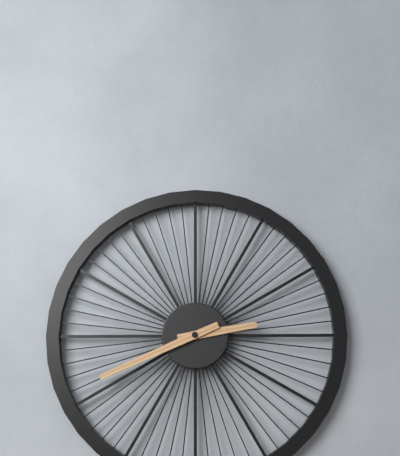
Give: 2h41
